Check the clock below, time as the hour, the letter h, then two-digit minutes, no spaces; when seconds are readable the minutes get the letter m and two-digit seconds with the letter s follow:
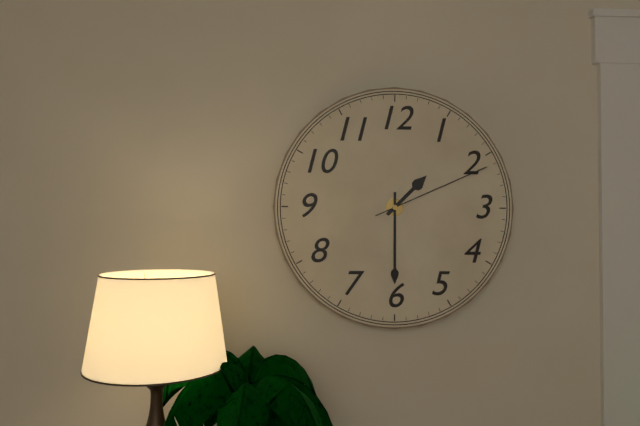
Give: 1h30m11s
